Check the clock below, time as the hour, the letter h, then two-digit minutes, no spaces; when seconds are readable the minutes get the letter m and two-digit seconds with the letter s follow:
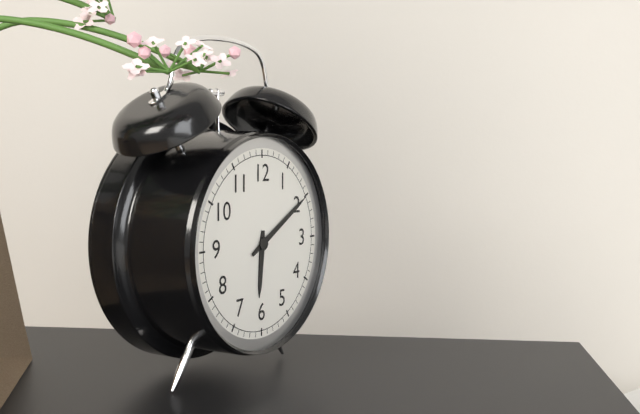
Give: 6h10
